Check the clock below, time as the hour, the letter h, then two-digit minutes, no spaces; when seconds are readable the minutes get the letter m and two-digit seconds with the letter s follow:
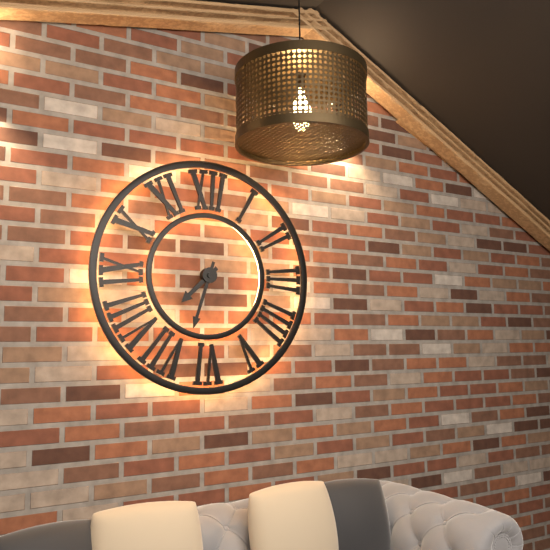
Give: 7h33
